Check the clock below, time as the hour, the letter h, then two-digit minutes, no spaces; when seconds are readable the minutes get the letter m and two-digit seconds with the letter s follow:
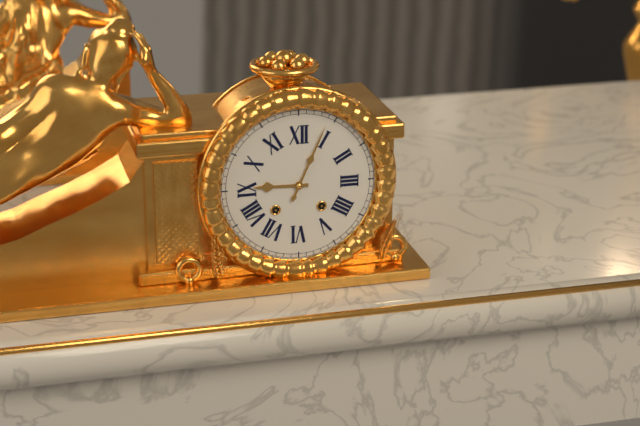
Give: 9h04
